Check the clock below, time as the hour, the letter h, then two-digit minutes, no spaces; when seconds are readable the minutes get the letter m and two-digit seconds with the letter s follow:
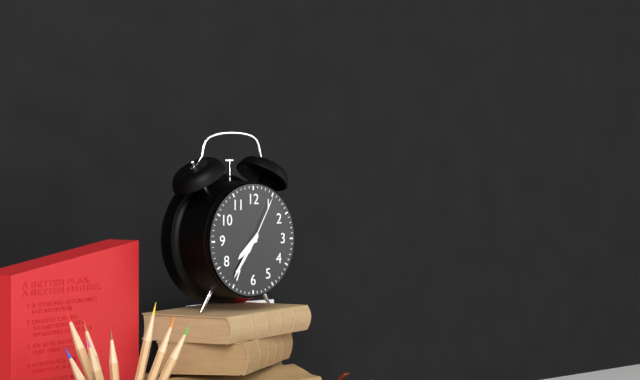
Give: 7h36m05s
